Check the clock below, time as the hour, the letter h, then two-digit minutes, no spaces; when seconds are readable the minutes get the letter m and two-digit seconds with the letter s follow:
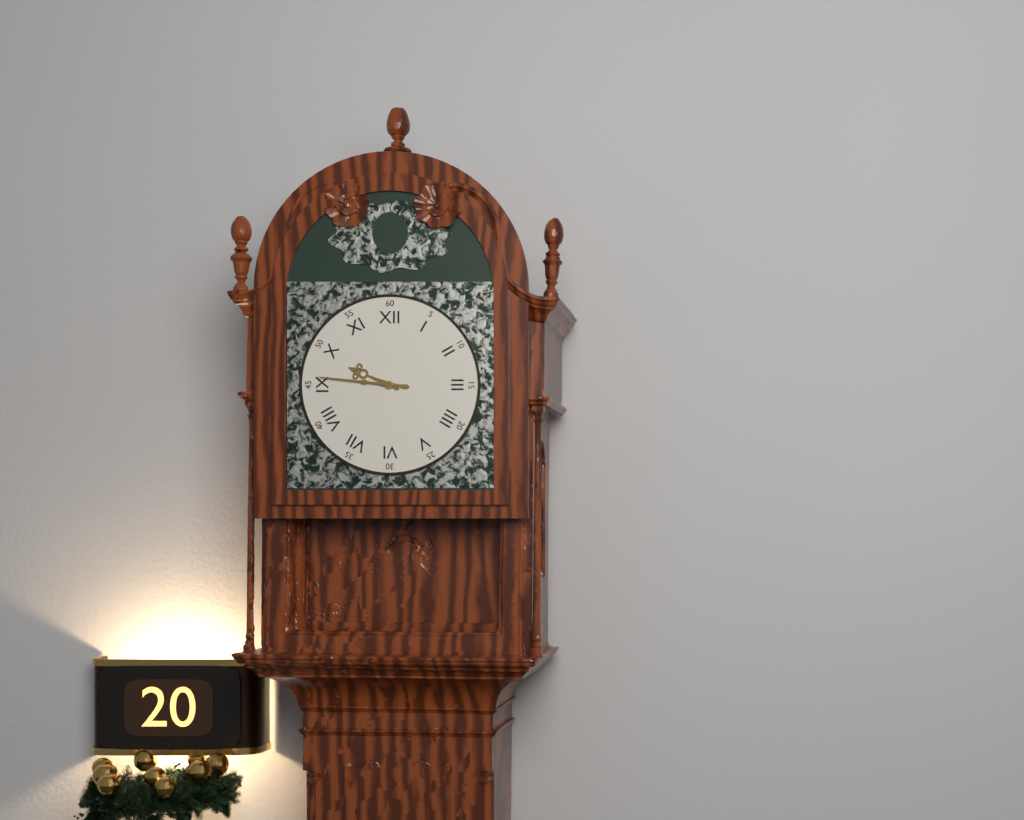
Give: 9h46
